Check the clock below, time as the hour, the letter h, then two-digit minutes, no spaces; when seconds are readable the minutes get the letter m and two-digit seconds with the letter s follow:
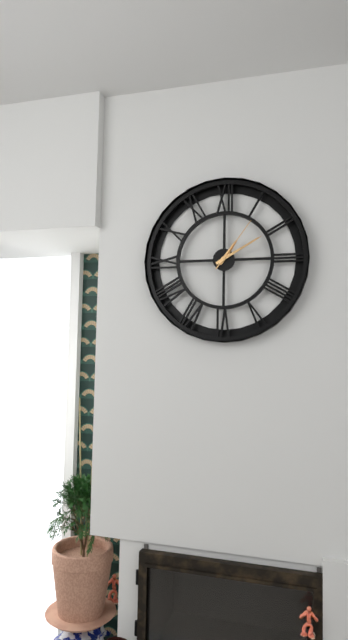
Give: 1h10m06s
